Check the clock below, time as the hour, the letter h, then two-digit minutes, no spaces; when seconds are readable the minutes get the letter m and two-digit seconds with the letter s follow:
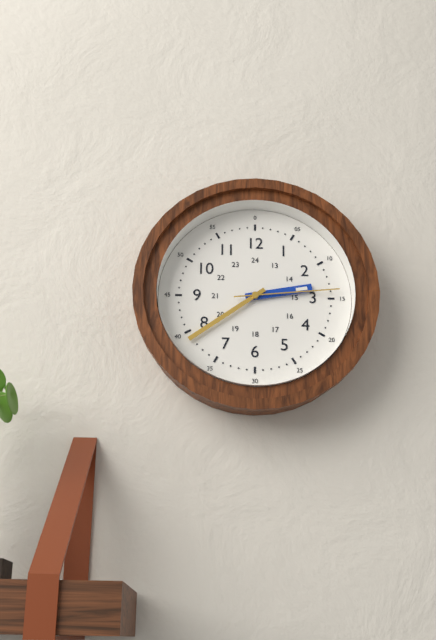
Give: 2h39m14s
